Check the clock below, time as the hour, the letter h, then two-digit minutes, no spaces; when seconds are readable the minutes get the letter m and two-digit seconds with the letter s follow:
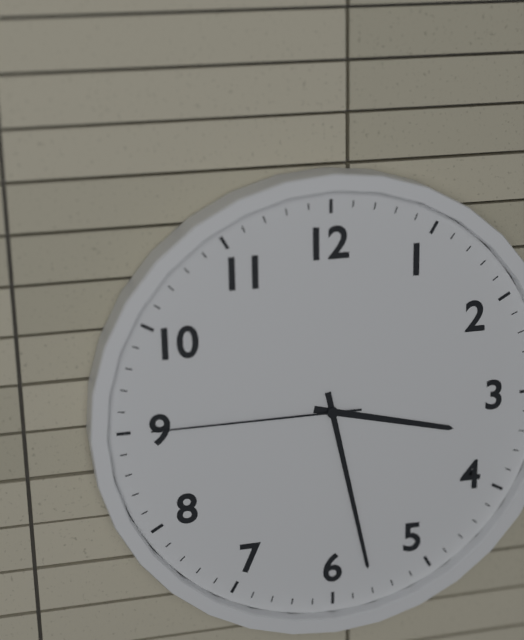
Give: 3h28m45s
